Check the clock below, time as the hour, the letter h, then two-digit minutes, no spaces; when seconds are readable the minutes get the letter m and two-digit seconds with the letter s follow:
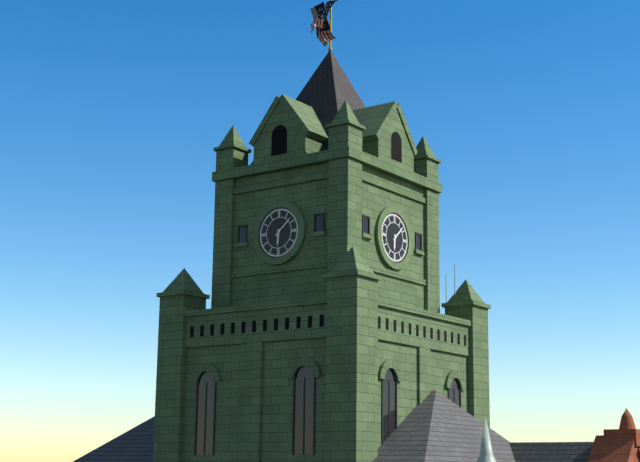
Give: 6h08
